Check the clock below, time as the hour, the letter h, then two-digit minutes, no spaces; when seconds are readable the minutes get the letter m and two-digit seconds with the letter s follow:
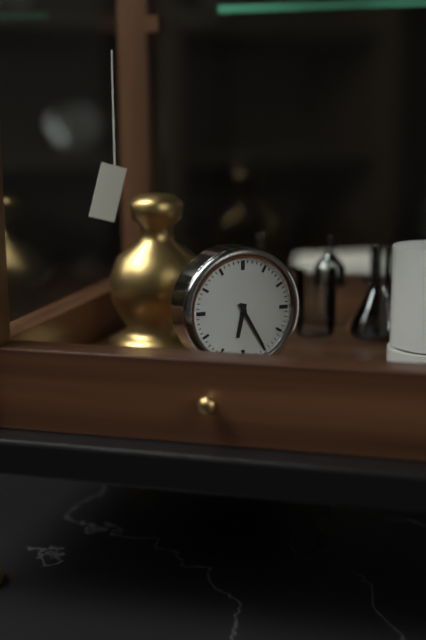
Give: 6h25
